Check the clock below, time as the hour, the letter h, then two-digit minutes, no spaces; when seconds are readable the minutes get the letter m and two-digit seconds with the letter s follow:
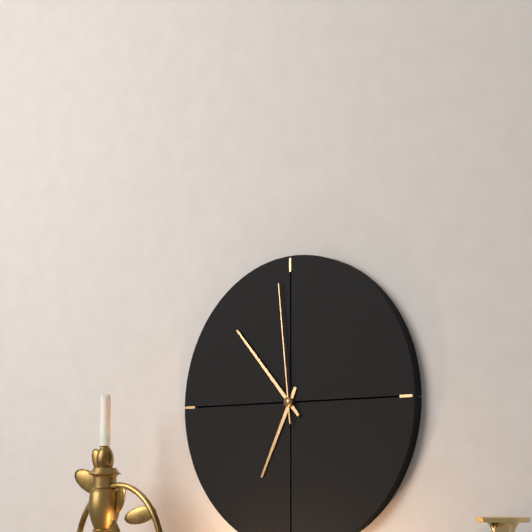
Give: 6h53m59s
